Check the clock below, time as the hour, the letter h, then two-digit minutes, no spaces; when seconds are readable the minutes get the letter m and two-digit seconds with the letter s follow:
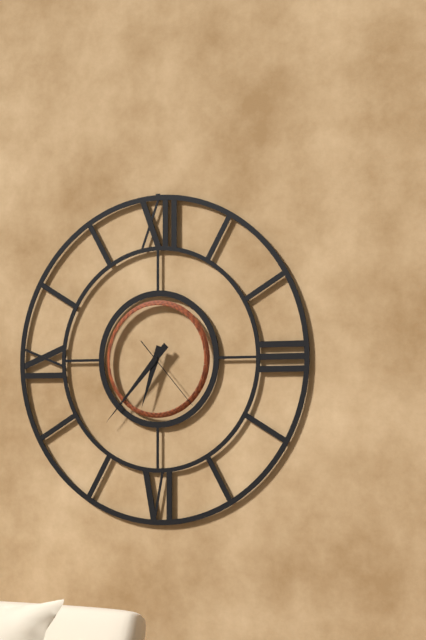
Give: 6h37m23s
